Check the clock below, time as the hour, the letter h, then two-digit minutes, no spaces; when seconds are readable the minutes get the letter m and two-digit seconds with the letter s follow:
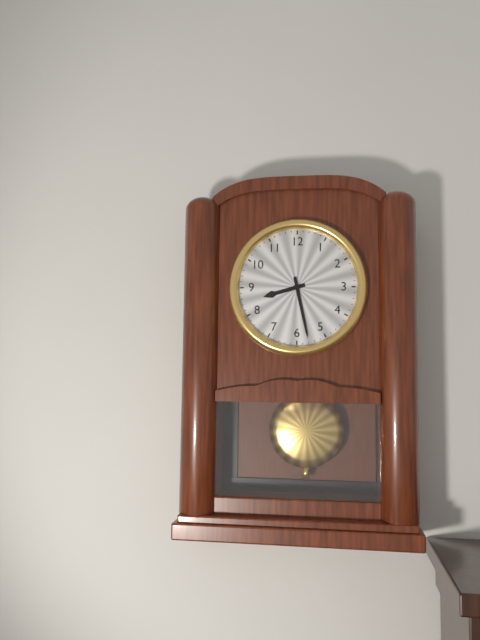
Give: 8h28
